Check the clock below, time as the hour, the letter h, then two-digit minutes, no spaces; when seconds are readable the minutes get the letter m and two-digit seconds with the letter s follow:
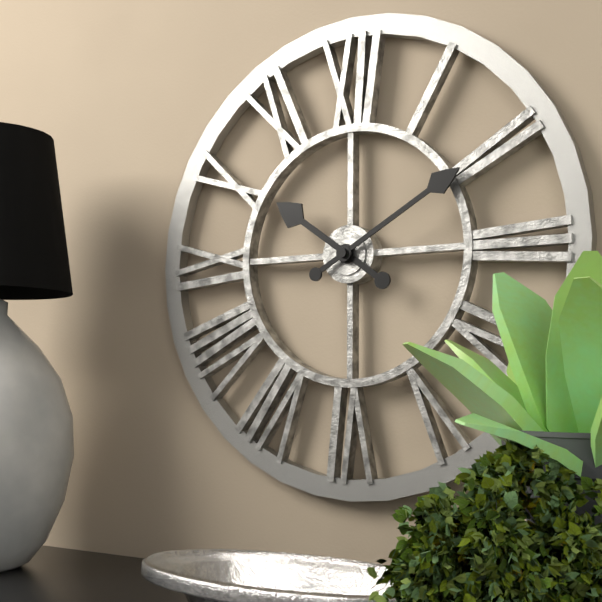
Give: 10h10
